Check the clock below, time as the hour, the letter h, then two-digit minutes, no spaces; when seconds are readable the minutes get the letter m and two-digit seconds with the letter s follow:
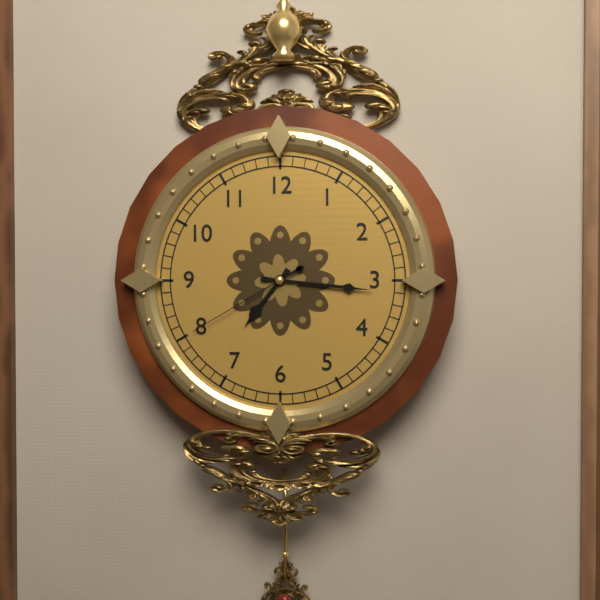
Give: 7h16m40s
